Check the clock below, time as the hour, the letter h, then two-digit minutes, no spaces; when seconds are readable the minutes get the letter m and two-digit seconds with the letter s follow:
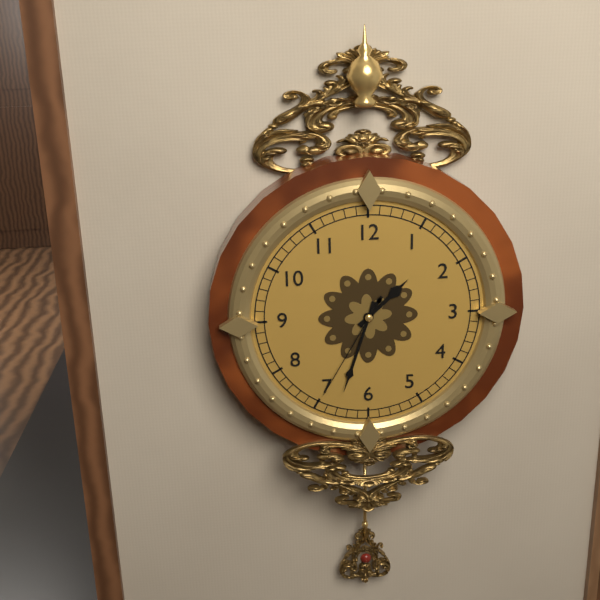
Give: 1h33m35s
